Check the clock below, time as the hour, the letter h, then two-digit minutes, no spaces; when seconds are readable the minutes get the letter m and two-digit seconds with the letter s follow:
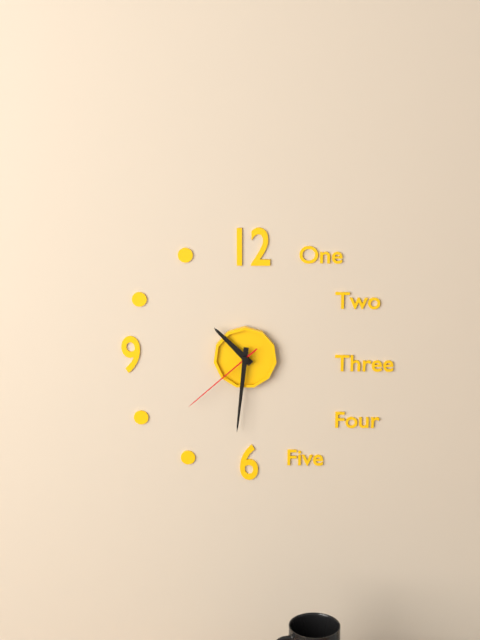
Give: 10h31m38s
